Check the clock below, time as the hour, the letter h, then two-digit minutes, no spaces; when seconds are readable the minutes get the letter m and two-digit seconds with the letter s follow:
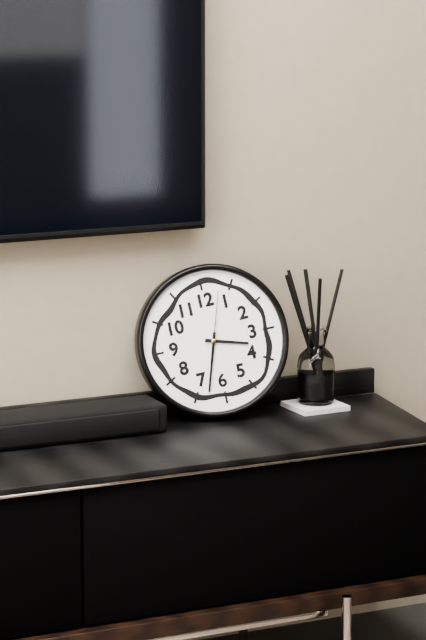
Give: 3h33m03s
